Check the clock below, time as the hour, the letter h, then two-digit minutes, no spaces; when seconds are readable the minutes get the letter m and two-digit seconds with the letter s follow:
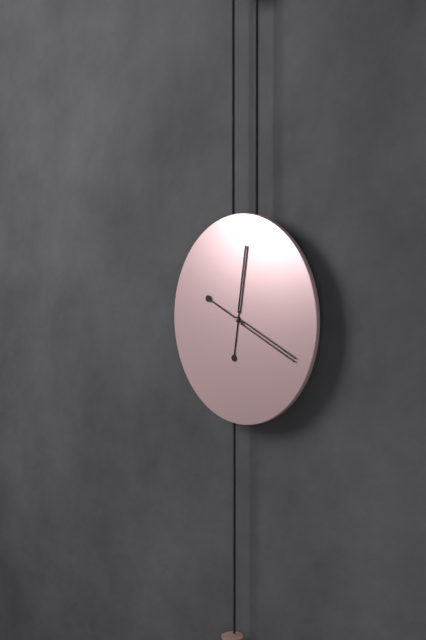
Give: 12h19
